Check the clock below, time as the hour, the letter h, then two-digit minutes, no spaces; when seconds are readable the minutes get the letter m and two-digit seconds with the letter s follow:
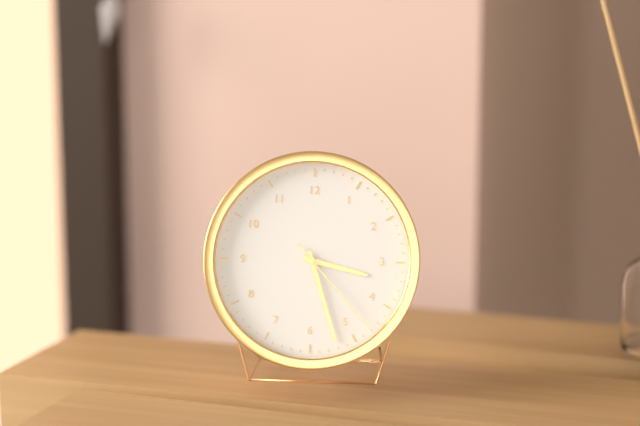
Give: 3h27m23s
